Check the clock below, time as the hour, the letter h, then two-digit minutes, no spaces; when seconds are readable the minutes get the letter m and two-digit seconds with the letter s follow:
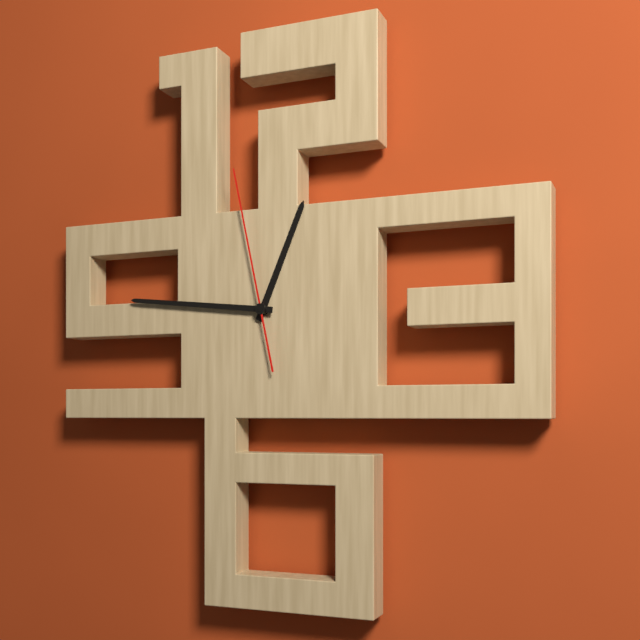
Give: 12h46m58s
